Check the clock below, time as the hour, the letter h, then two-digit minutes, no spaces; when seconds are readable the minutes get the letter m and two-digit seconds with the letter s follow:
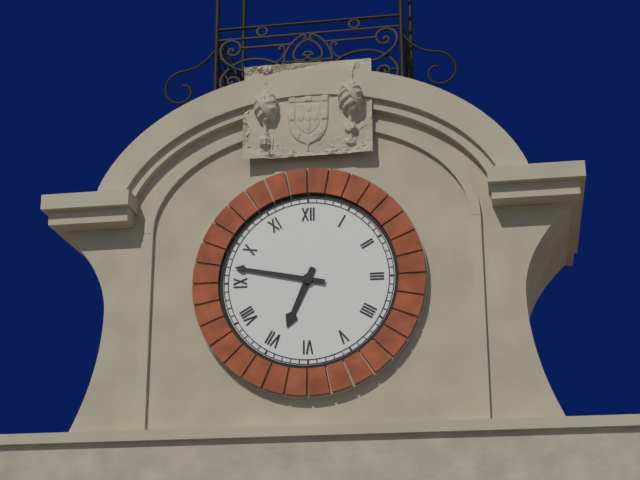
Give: 6h47
